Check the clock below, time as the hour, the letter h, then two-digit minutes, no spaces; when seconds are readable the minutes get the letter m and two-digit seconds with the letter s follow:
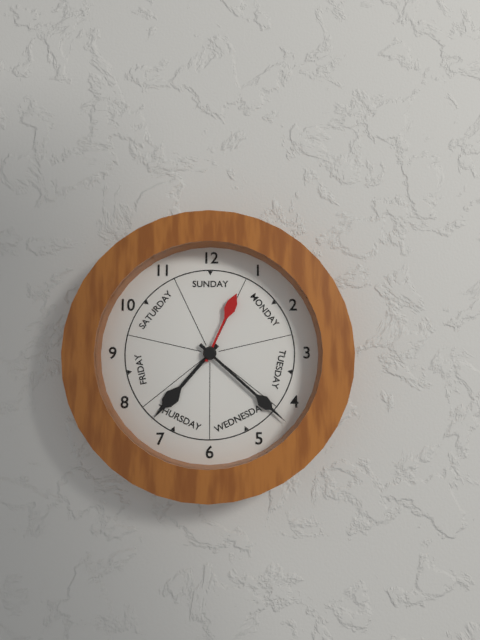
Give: 7h22m04s
